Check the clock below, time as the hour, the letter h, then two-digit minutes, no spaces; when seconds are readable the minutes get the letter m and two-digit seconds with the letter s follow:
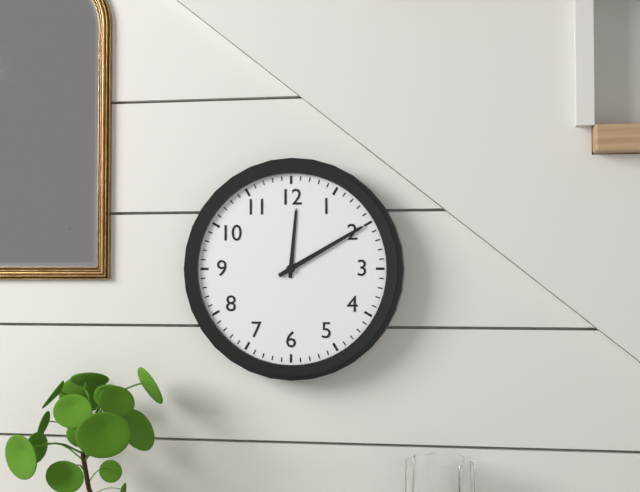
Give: 12h10
